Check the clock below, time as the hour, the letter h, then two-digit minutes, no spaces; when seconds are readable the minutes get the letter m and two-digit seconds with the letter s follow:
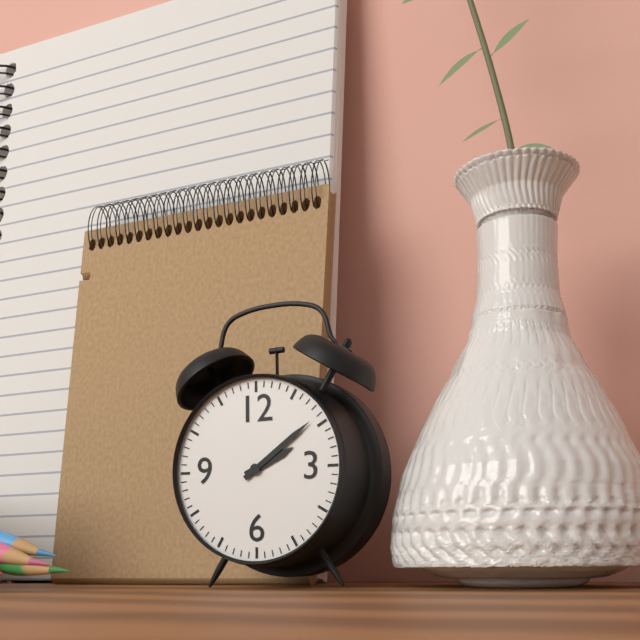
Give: 2h09
